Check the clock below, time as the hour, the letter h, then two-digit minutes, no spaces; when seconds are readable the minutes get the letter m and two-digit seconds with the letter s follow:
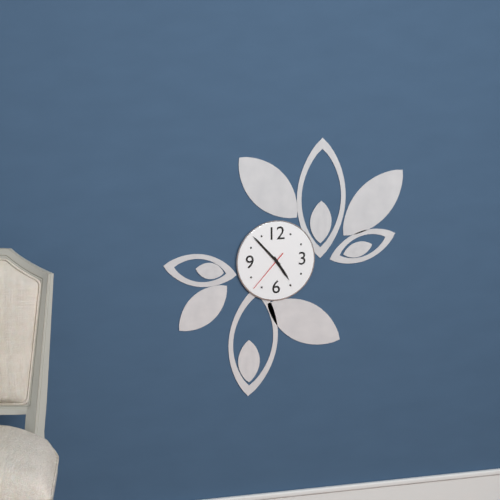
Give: 4h53
